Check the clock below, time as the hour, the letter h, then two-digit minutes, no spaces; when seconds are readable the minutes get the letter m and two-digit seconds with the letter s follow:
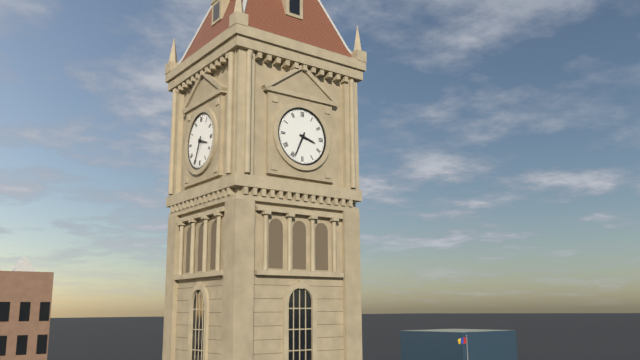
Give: 3h34
